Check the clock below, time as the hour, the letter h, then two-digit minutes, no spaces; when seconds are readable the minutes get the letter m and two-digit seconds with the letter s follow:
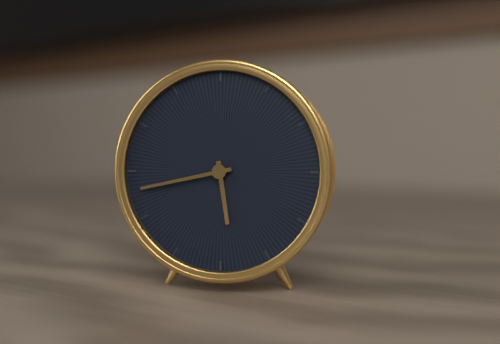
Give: 5h43
